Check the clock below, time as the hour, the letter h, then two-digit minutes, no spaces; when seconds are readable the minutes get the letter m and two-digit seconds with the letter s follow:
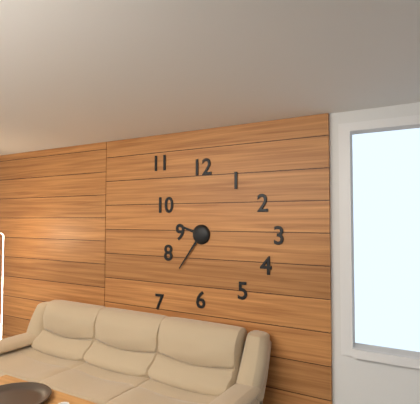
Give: 9h36
